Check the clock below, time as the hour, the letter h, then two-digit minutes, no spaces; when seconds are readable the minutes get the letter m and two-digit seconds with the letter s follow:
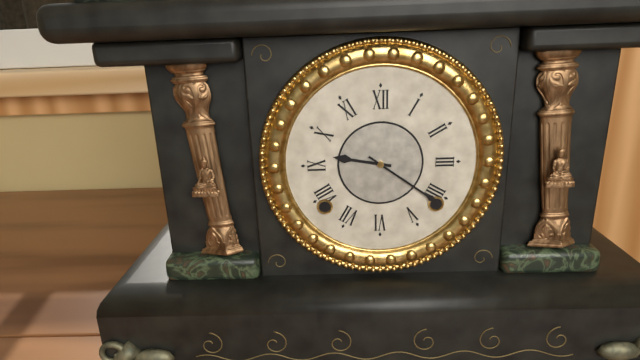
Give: 9h21
